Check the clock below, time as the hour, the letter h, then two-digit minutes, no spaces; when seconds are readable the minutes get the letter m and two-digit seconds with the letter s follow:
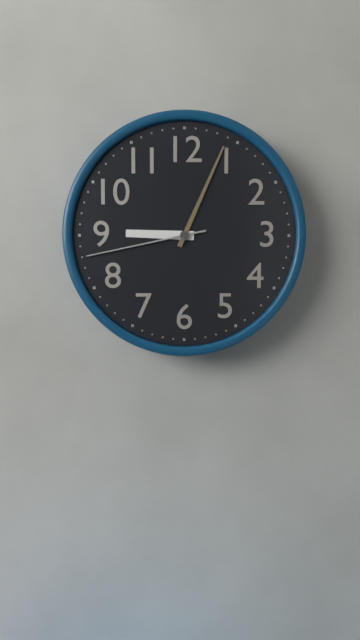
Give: 9h04m43s
